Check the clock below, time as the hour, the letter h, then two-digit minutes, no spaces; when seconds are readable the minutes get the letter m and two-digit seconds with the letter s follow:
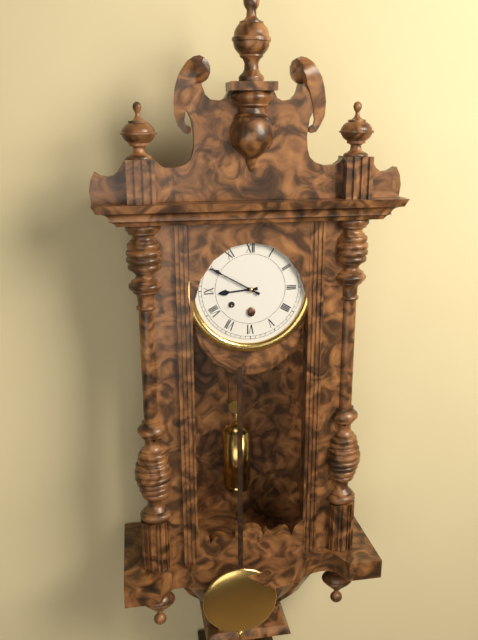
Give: 8h50
